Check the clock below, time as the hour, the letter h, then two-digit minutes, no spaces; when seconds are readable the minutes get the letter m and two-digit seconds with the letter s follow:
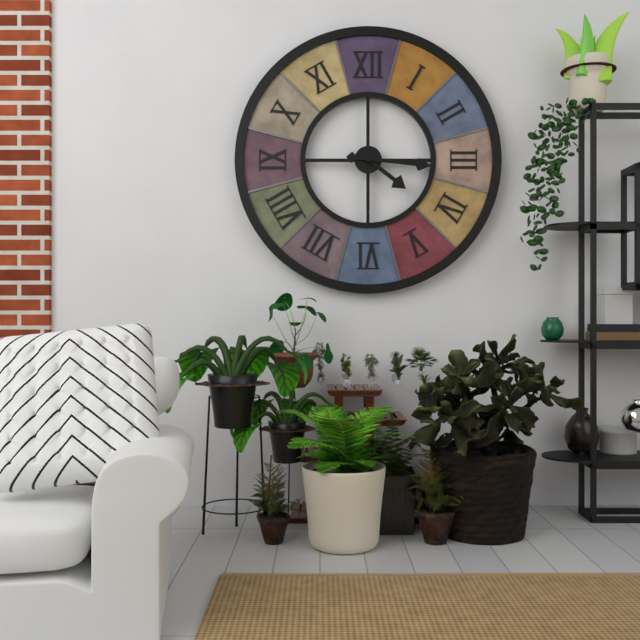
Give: 4h16
